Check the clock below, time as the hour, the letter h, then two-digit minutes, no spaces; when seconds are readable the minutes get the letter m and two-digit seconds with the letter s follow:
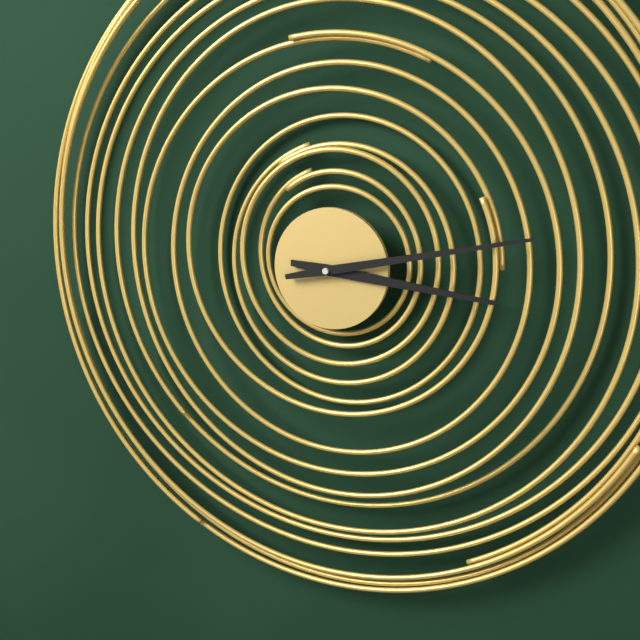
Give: 3h13
